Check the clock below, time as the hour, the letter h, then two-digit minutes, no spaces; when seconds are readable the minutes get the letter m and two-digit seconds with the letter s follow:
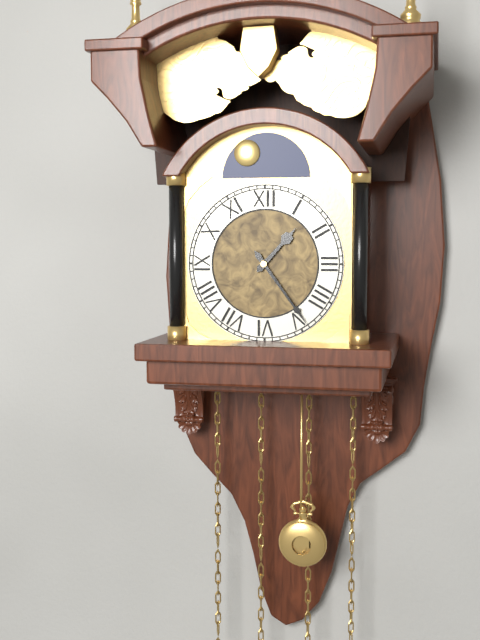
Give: 1h24
